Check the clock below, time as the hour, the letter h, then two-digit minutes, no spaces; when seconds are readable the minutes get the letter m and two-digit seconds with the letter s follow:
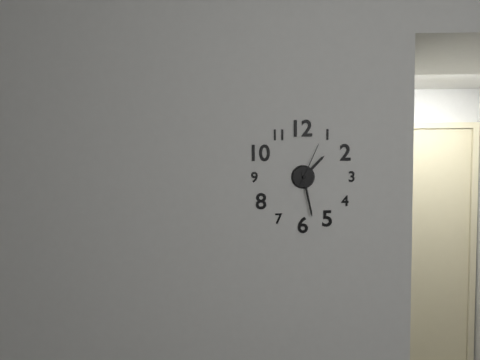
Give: 1h28
